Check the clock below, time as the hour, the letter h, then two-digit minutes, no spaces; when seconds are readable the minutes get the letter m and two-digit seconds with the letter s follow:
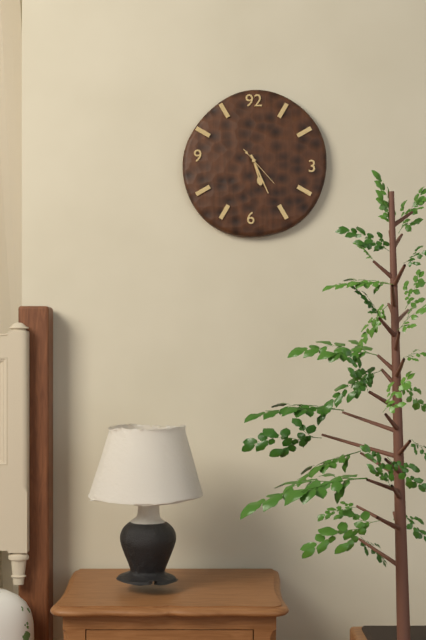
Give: 5h26
